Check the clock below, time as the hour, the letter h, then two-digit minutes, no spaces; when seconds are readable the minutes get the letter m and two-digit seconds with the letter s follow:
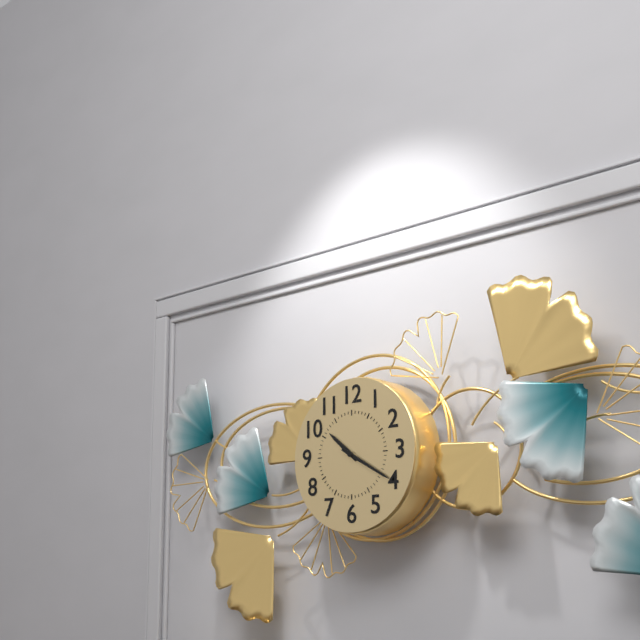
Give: 10h20
